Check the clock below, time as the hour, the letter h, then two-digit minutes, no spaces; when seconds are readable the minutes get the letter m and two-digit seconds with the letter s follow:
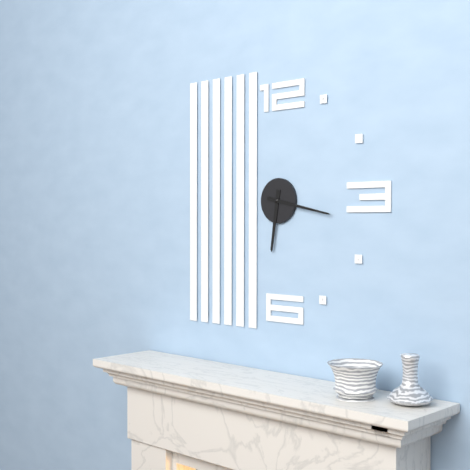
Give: 6h17
